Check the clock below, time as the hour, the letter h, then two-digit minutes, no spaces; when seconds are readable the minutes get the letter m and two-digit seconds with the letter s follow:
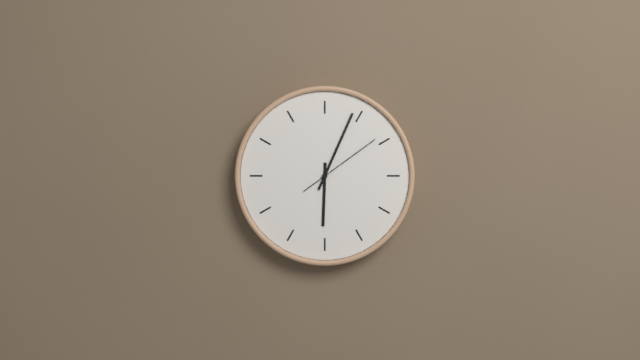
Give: 6h04m09s
